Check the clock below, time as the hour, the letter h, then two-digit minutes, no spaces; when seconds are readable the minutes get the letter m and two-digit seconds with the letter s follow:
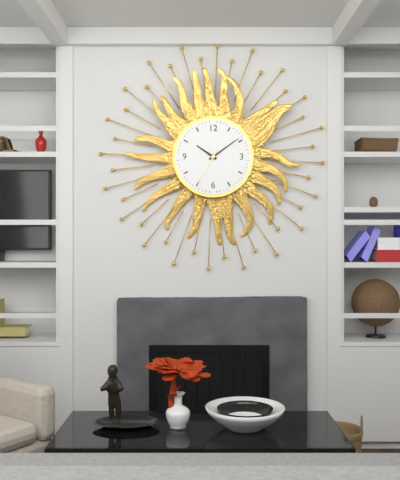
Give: 10h09
